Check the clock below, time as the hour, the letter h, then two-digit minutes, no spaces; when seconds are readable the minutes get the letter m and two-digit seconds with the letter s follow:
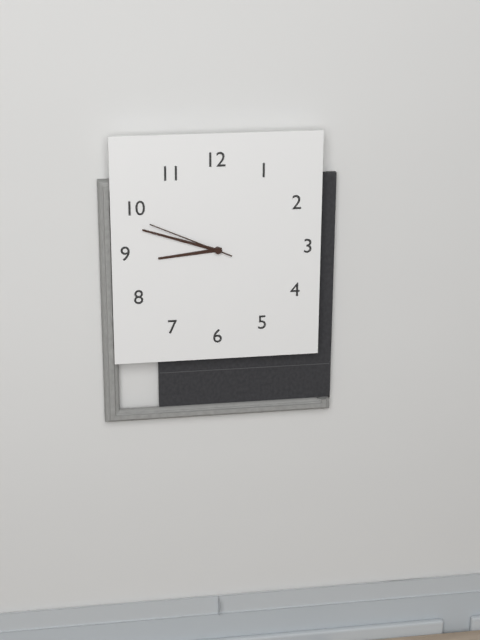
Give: 8h48m49s
